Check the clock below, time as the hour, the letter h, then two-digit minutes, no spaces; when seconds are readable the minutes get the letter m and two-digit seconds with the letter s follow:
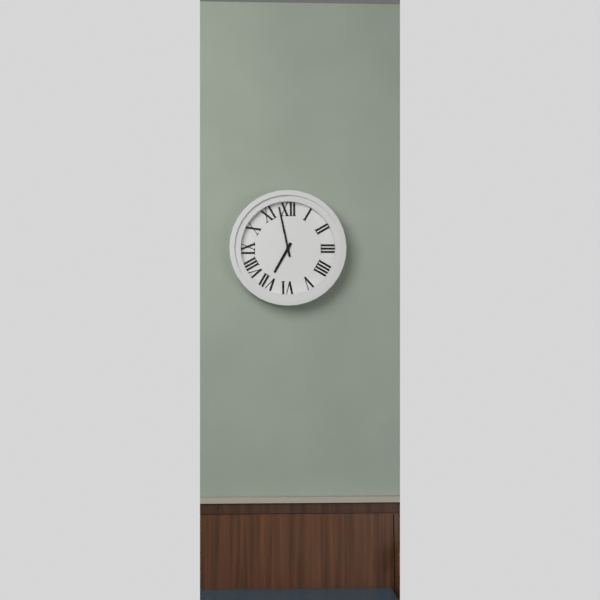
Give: 6h58
